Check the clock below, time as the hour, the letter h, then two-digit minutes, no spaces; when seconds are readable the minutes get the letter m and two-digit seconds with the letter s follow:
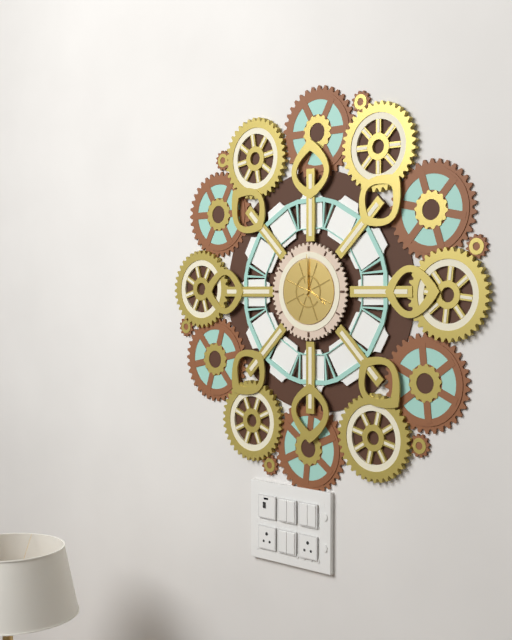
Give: 4h00
